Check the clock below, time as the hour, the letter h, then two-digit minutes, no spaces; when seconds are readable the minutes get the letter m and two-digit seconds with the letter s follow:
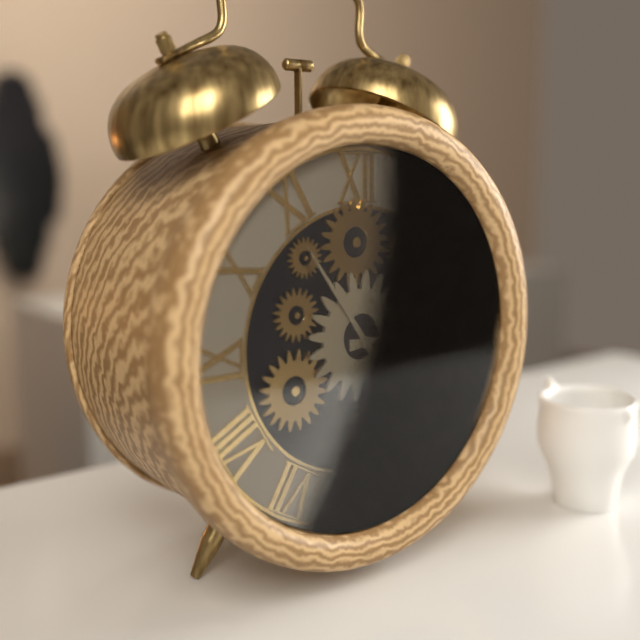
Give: 2h54
